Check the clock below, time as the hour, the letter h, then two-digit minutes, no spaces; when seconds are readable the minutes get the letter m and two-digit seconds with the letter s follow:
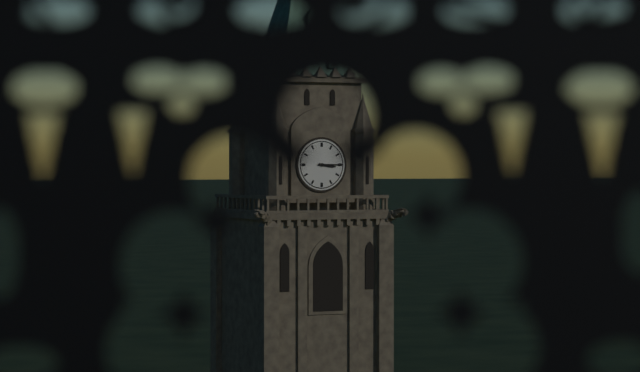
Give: 3h15
